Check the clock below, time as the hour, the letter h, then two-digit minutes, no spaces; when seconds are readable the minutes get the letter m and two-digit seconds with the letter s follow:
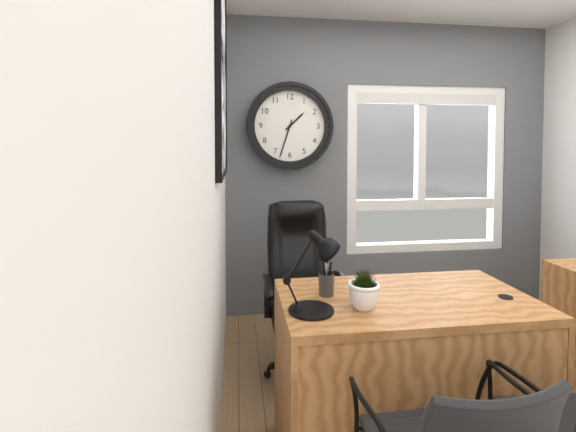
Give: 1h33
